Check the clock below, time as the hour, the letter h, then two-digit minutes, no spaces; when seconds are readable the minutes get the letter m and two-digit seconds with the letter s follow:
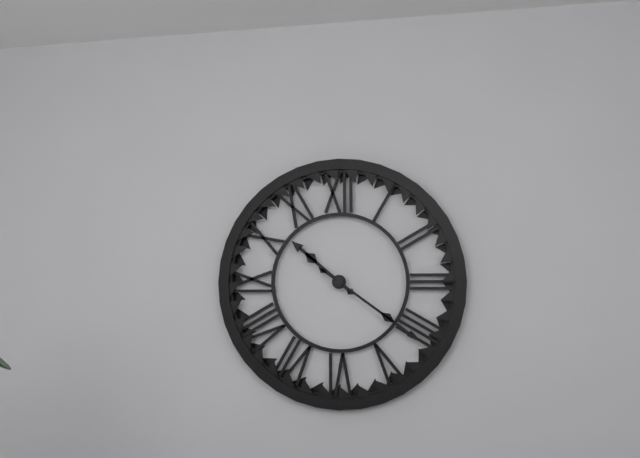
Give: 10h21
